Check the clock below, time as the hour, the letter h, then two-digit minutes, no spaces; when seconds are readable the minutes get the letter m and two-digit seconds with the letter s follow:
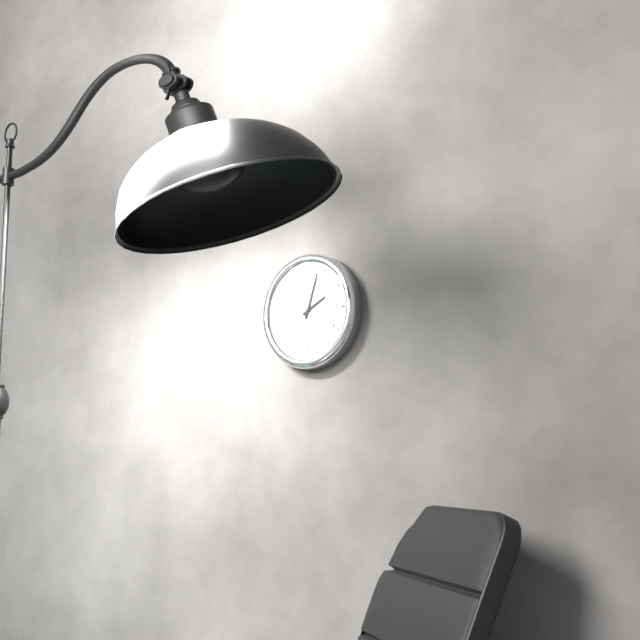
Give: 2h03
